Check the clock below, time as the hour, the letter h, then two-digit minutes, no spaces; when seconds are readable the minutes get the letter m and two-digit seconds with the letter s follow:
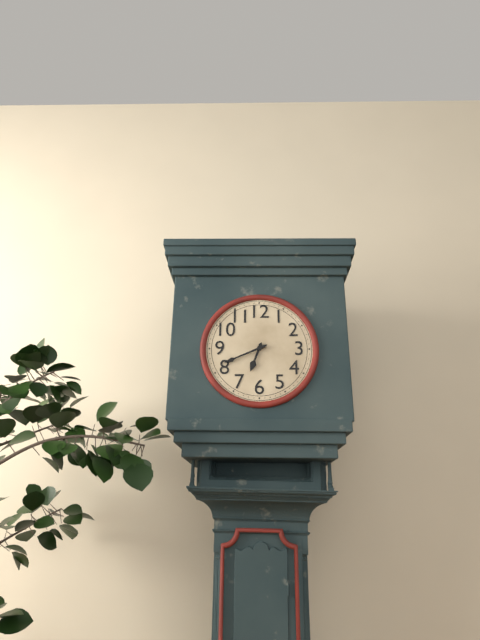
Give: 6h41
